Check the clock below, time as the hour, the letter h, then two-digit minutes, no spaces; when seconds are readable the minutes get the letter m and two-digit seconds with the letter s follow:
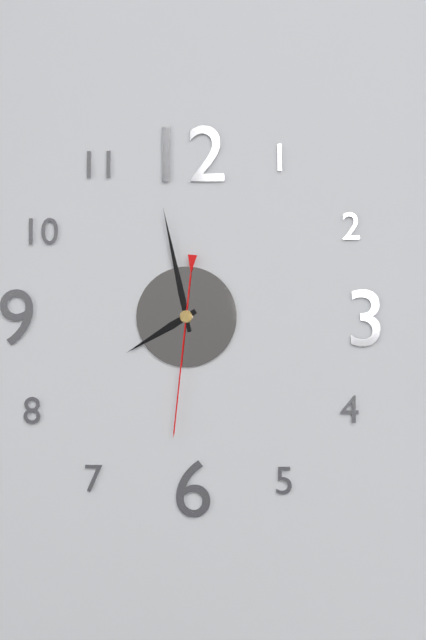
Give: 7h58m31s
